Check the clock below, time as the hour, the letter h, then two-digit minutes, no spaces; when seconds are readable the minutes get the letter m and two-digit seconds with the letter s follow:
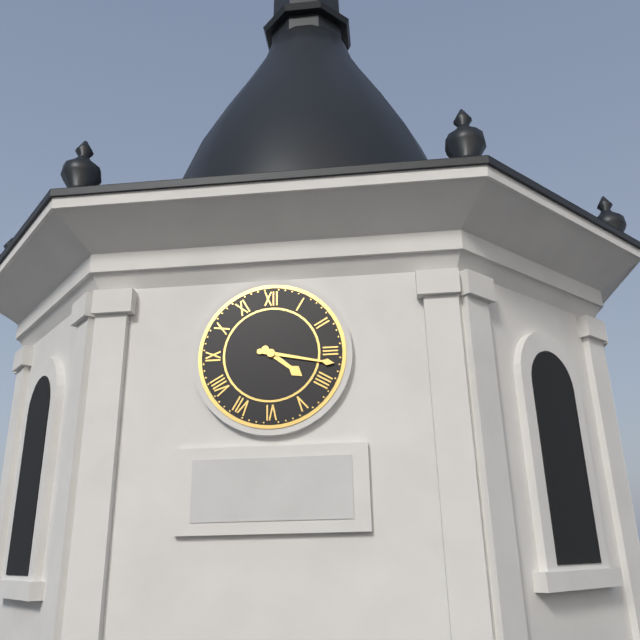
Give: 4h17
